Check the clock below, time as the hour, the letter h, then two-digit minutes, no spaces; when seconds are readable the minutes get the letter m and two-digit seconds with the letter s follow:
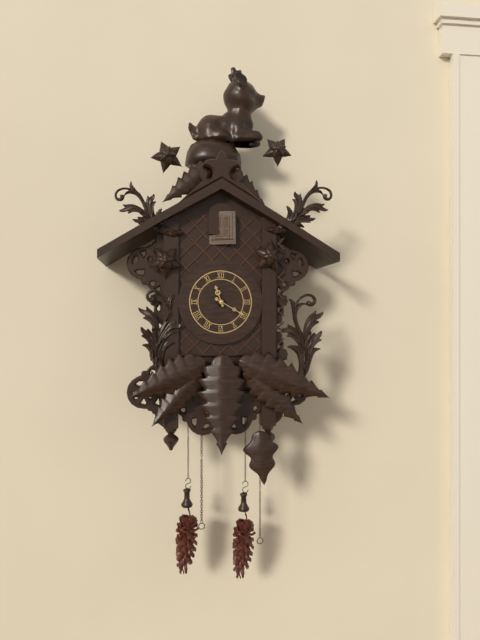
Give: 11h20
